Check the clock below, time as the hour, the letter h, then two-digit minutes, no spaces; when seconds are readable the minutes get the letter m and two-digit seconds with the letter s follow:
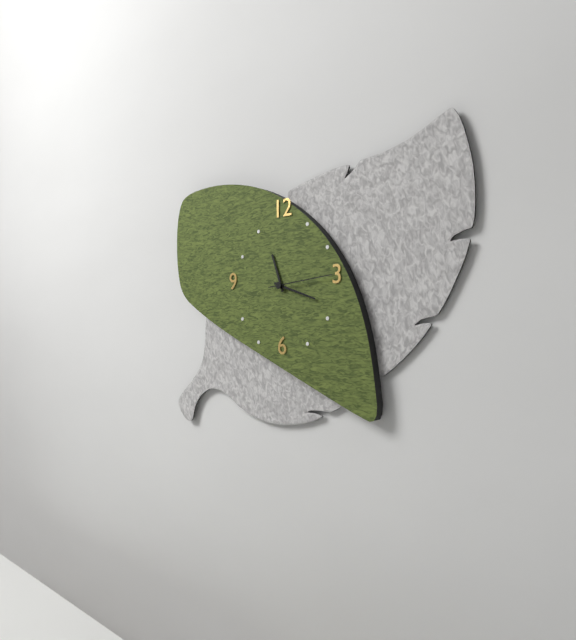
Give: 11h18m14s
